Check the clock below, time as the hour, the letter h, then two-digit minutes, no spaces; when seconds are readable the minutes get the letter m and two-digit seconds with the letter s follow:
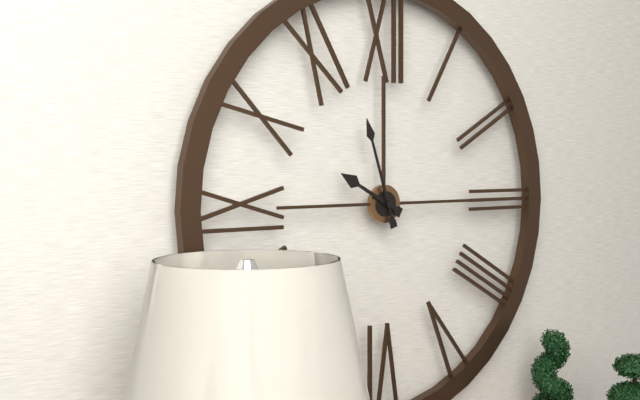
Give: 9h57
